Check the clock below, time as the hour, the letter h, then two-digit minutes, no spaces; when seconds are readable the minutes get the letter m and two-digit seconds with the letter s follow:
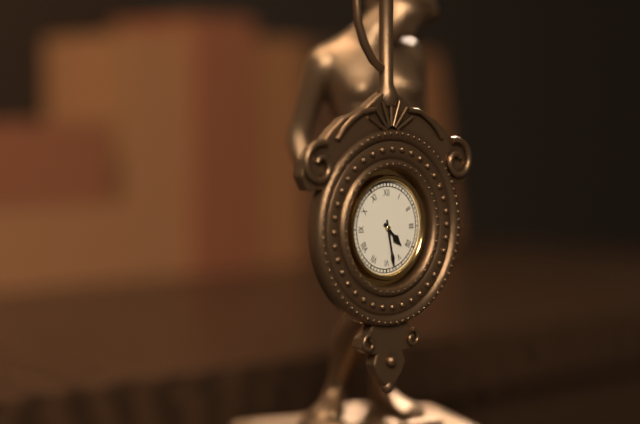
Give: 4h28
